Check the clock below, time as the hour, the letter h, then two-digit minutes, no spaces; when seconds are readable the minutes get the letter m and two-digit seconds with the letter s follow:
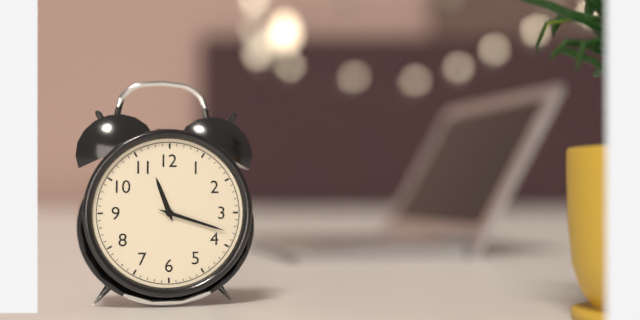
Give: 11h18
